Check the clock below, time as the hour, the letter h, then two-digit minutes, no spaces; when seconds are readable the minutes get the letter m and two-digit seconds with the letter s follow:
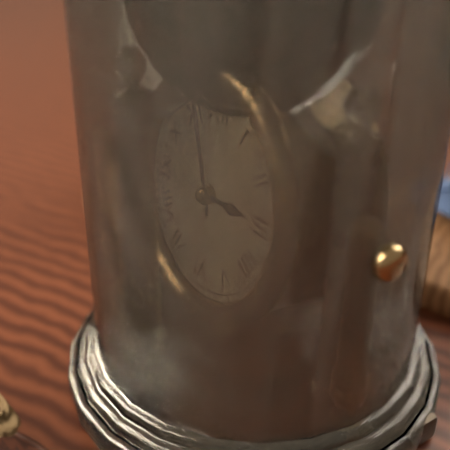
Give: 2h56
